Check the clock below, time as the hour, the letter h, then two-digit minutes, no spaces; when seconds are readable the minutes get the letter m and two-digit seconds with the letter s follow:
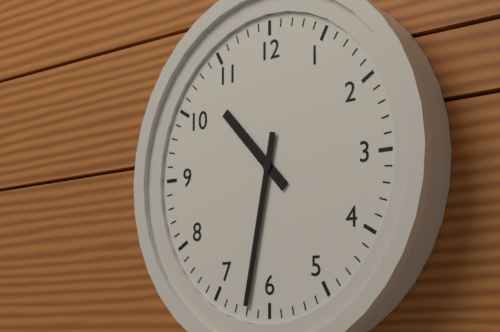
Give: 10h32
